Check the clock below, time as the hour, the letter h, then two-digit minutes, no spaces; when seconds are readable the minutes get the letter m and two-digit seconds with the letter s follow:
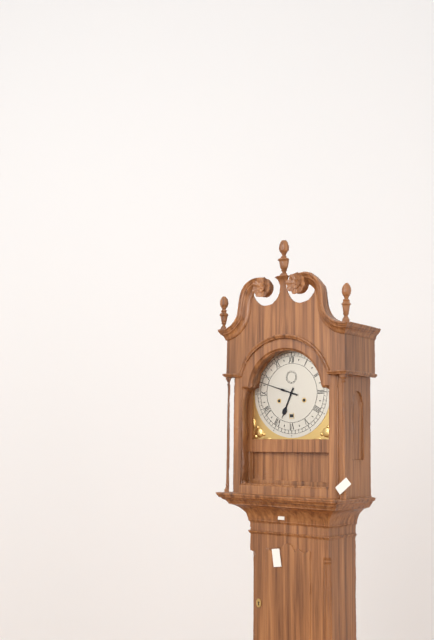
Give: 6h48
